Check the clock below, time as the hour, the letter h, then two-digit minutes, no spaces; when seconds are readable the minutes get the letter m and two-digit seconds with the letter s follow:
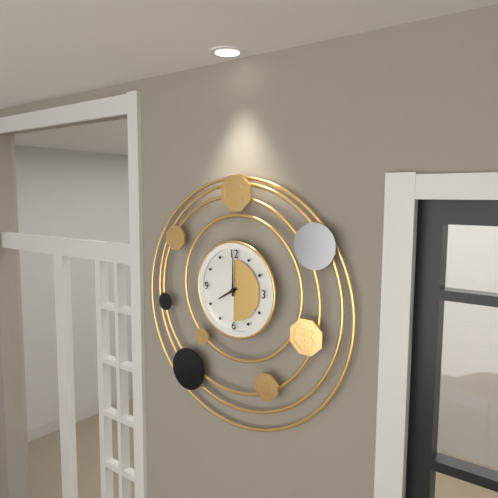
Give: 8h00
